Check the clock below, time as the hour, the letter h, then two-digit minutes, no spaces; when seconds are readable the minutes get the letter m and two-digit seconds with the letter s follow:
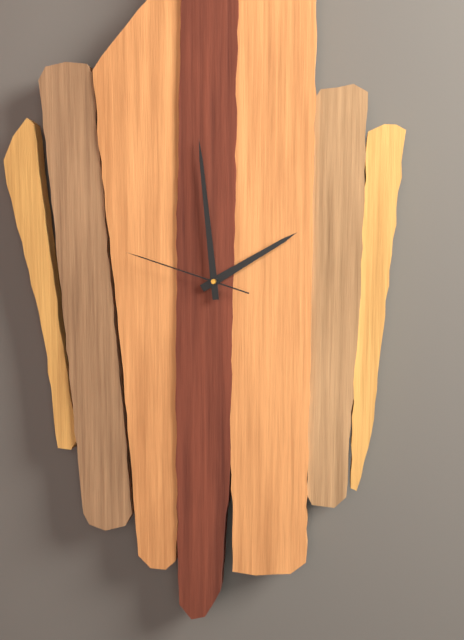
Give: 1h59m48s
